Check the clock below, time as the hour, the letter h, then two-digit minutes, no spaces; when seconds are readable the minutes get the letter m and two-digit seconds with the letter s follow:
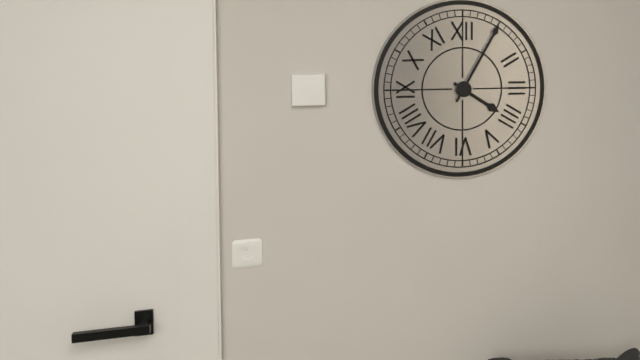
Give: 4h05
